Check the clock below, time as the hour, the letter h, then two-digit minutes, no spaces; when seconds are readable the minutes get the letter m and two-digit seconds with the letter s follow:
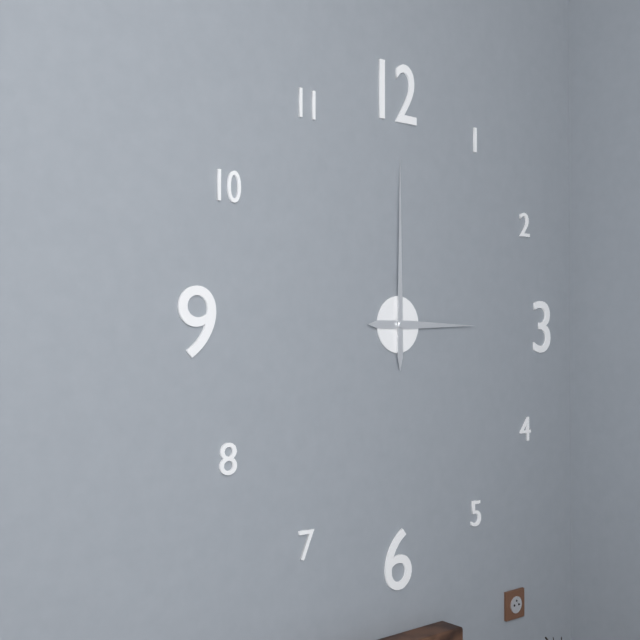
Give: 3h00
